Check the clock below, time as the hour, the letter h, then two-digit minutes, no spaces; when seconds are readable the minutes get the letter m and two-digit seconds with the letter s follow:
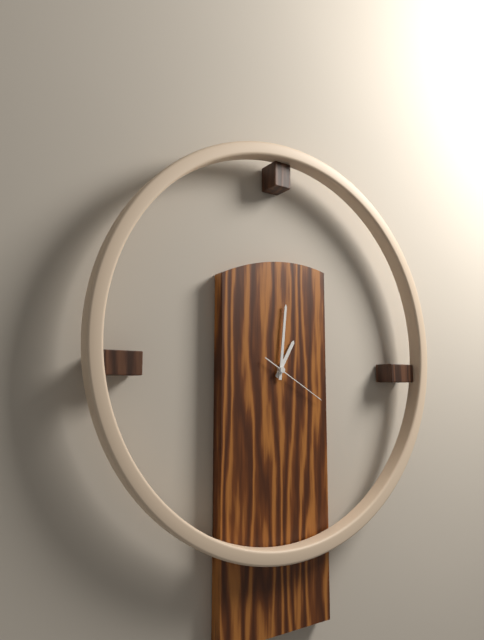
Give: 1h01m20s
